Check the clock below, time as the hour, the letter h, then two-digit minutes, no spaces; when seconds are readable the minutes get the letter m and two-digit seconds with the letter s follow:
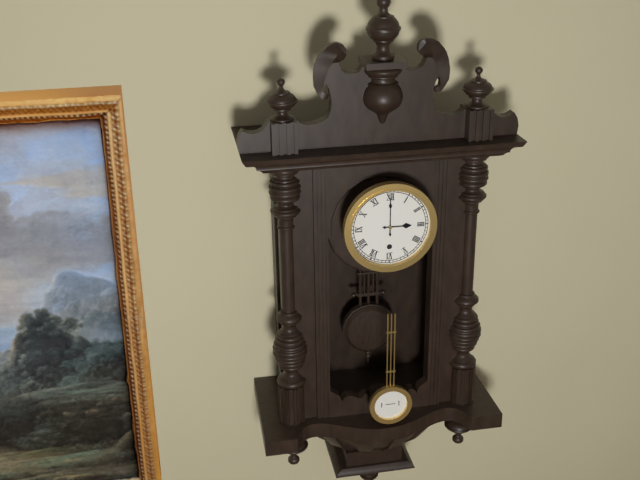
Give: 3h00
